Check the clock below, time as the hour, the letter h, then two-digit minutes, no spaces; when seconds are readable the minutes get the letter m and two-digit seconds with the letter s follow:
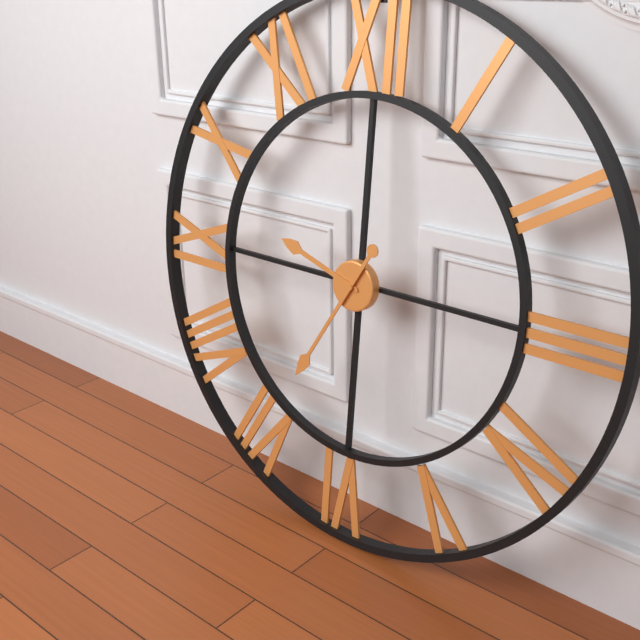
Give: 9h35
